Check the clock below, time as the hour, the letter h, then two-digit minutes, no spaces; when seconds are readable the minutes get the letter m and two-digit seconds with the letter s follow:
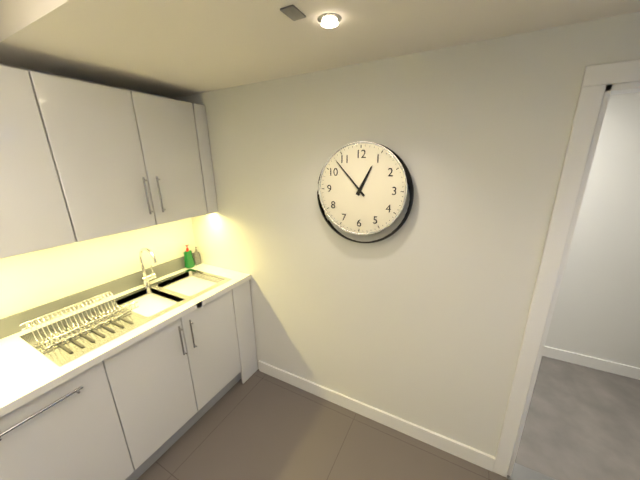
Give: 12h53
